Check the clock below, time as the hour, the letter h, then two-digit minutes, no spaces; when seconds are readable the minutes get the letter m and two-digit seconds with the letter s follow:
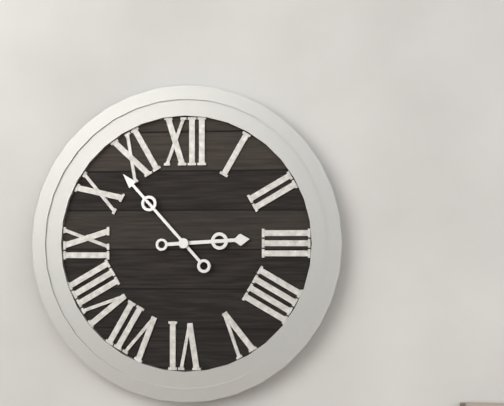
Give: 2h53
